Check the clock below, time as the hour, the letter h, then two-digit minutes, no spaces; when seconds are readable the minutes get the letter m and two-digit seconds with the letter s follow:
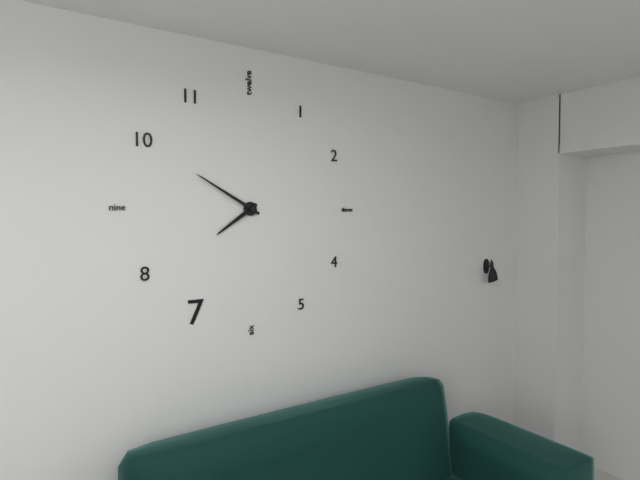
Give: 7h50
